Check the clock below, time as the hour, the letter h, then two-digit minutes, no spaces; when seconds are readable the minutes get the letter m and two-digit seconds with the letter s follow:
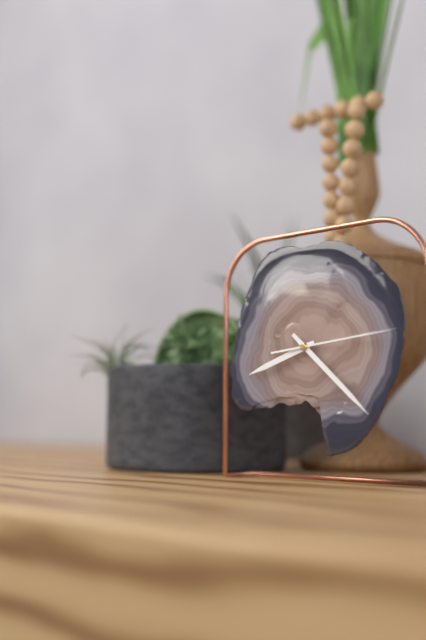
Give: 8h22m14s
